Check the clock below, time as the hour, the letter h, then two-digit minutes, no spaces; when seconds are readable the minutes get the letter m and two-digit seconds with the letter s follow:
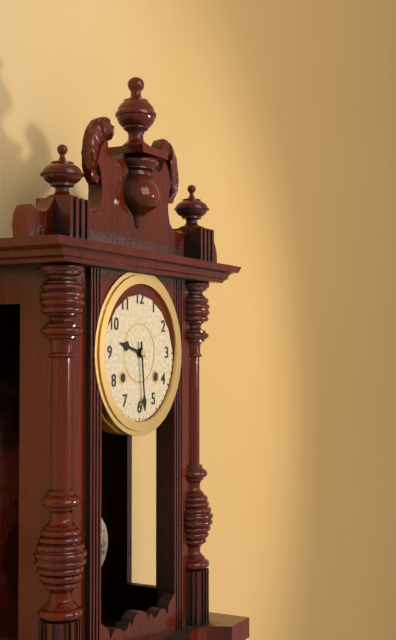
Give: 9h29
